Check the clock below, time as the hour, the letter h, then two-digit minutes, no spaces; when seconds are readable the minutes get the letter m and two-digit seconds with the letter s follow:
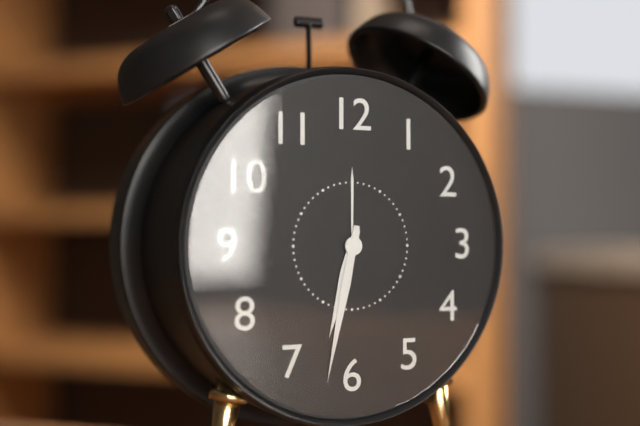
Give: 6h32
